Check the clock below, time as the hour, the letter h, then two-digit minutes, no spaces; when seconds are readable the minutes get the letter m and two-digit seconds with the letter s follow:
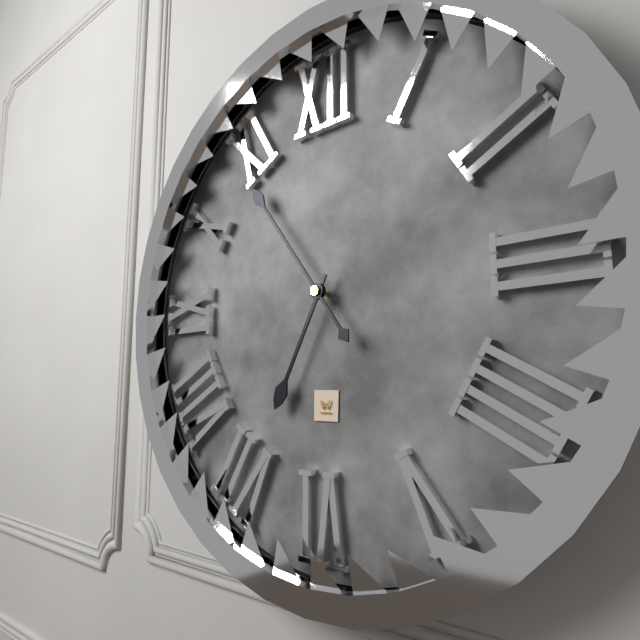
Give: 6h54
